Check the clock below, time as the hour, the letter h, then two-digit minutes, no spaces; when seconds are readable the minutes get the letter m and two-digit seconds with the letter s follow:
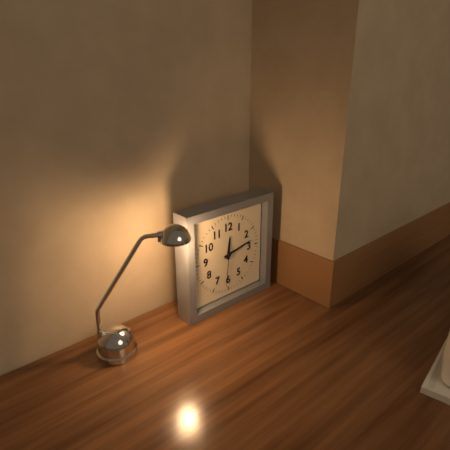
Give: 12h13
